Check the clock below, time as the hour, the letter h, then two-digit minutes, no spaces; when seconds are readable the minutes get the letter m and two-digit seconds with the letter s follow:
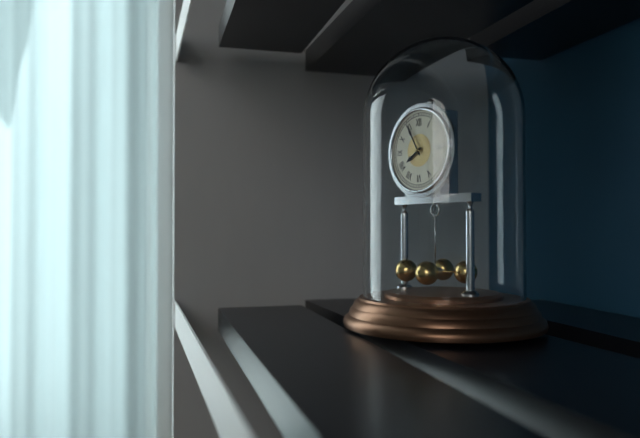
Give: 7h55
